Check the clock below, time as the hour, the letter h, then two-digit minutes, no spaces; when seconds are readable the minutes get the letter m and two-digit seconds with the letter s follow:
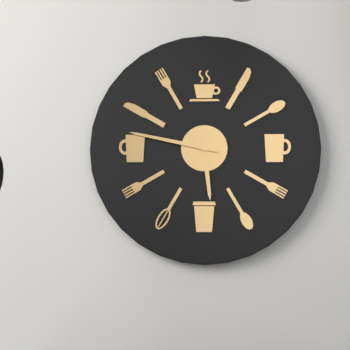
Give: 5h47
